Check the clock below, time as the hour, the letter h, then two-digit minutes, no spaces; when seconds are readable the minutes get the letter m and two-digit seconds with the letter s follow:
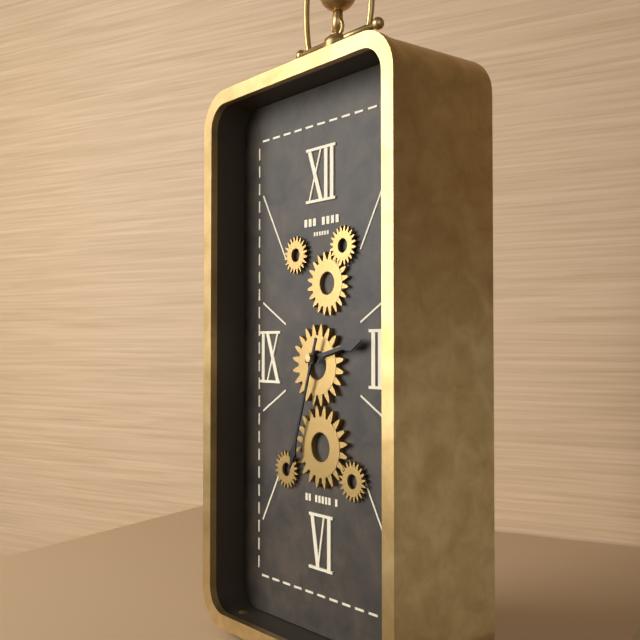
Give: 2h33
